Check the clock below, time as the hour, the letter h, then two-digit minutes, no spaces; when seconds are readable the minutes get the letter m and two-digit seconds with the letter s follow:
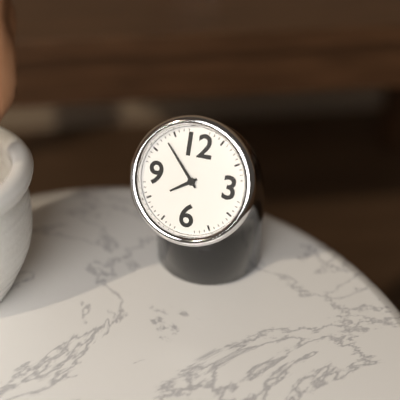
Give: 7h53
